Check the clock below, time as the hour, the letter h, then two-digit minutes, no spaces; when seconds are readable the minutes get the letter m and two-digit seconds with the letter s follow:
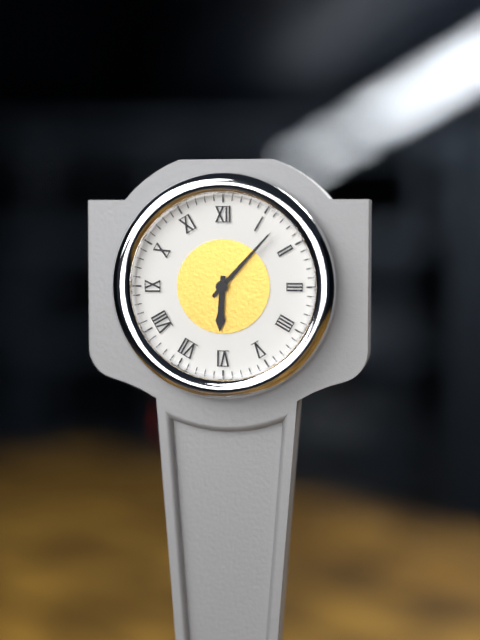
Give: 6h07
